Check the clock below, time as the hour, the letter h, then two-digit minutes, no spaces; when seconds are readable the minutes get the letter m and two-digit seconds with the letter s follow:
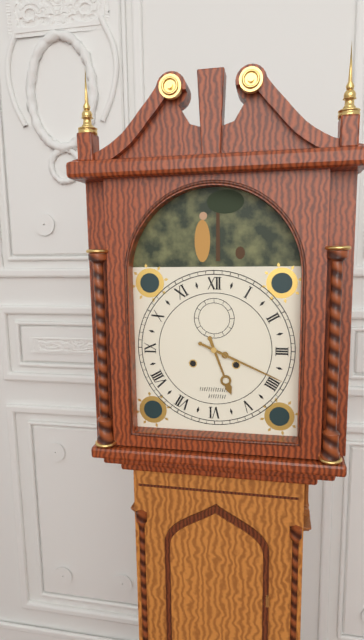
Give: 5h19
